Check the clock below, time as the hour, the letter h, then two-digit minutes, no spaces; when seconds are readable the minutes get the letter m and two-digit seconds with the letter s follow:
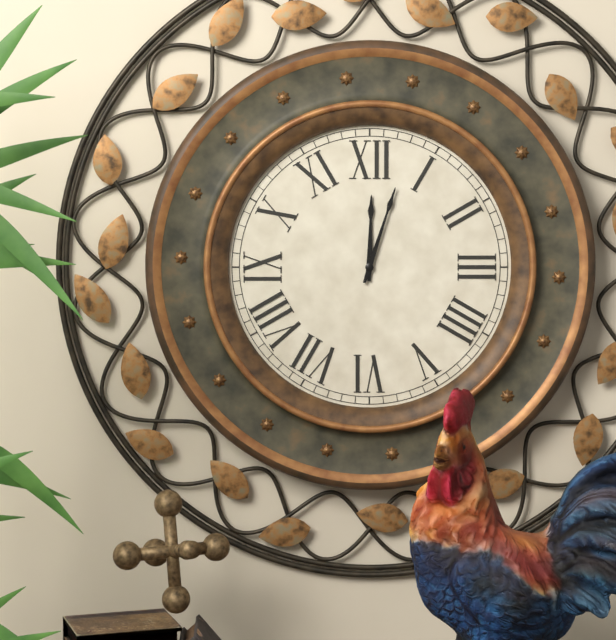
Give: 12h03
